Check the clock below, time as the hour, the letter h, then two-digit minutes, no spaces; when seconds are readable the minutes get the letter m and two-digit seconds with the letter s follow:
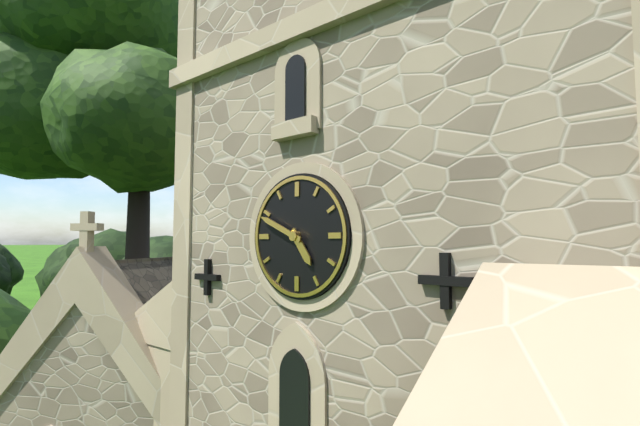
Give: 4h49
